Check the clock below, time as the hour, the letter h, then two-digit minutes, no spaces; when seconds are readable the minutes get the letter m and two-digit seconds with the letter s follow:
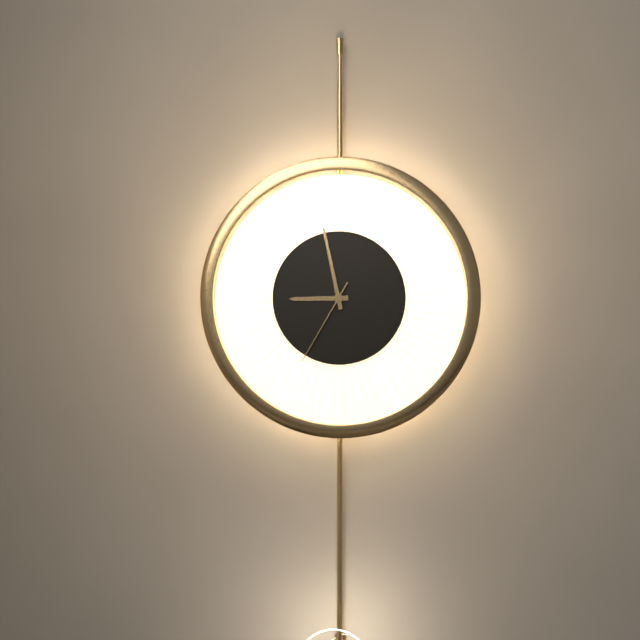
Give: 8h58m35s
